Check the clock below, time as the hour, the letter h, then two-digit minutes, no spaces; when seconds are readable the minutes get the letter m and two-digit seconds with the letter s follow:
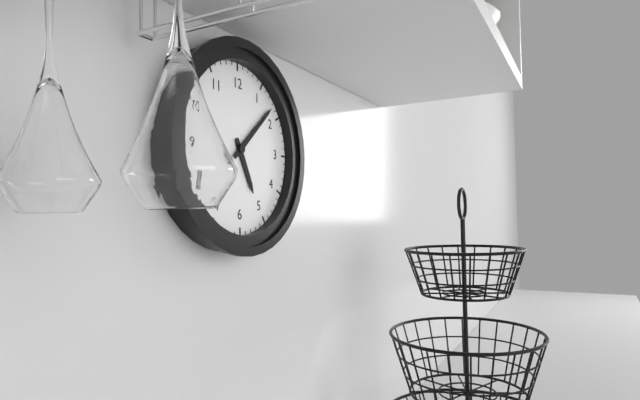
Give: 5h08
